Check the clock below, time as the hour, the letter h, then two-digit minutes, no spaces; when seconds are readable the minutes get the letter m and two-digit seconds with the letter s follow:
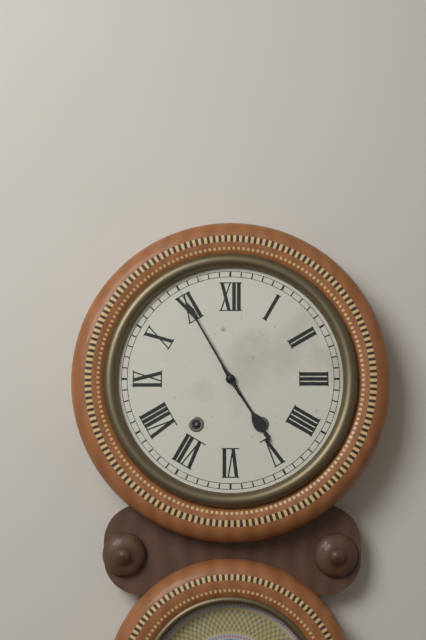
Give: 4h55
